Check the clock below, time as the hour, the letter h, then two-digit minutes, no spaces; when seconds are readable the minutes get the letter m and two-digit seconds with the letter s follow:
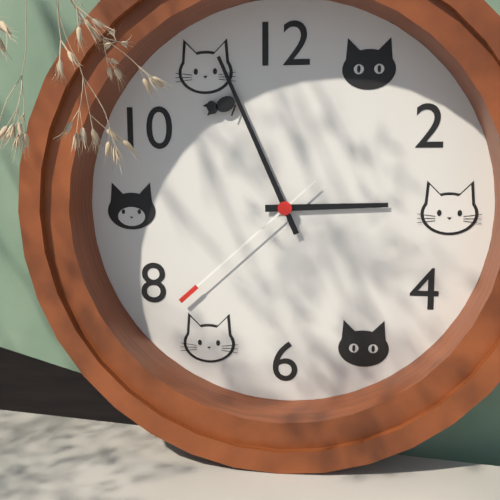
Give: 2h56m38s
